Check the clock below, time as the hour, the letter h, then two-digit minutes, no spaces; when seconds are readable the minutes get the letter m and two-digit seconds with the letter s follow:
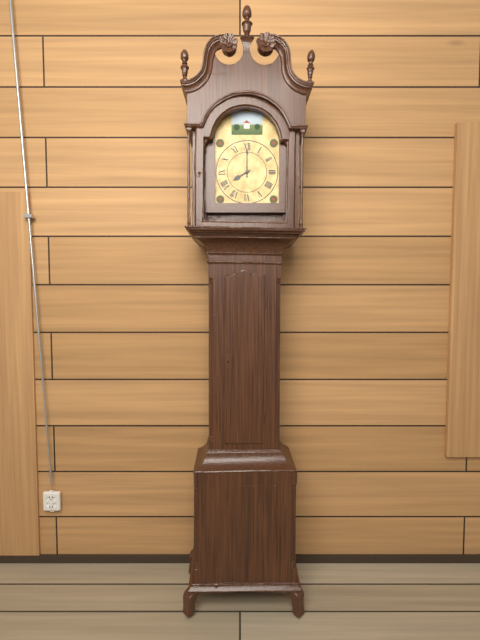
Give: 8h00
